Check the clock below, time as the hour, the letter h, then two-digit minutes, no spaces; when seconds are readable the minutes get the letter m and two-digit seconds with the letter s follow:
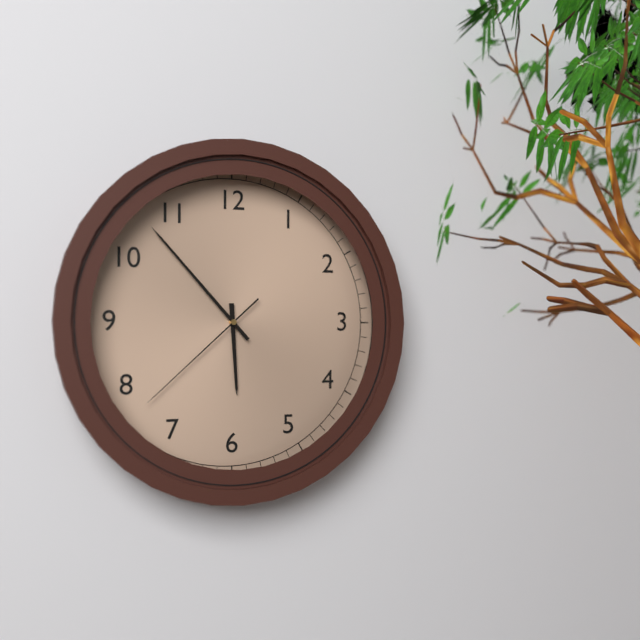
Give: 5h53m38s
